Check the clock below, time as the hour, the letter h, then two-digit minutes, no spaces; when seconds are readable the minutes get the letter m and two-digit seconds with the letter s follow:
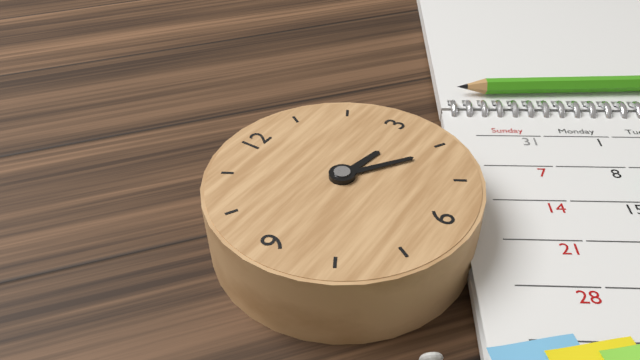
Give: 3h21
